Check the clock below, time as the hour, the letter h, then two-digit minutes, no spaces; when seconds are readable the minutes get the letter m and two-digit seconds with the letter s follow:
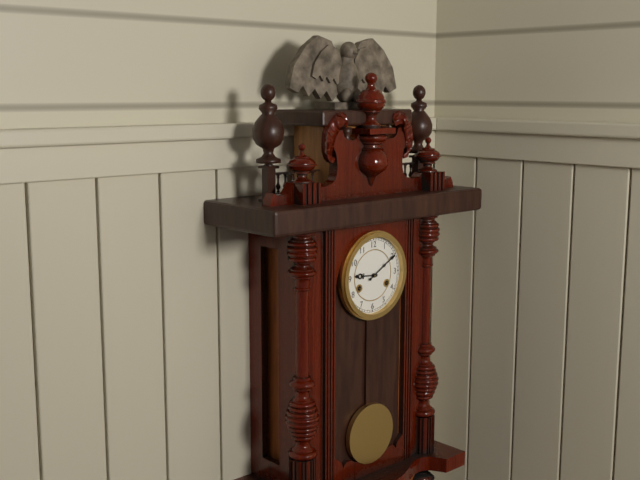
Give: 9h10
